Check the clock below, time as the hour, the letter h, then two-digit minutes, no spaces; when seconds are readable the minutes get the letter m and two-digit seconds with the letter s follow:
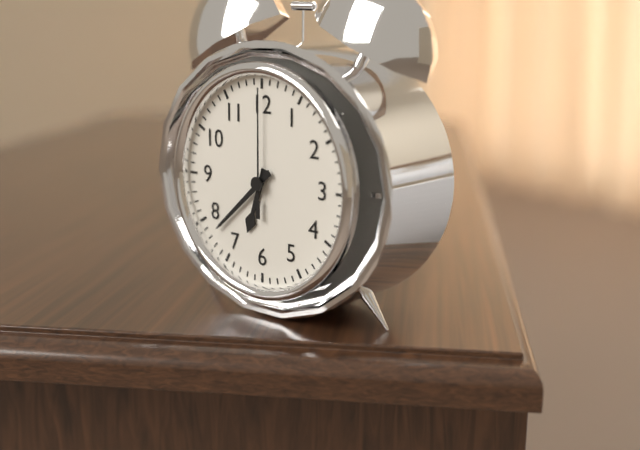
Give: 6h38m00s
